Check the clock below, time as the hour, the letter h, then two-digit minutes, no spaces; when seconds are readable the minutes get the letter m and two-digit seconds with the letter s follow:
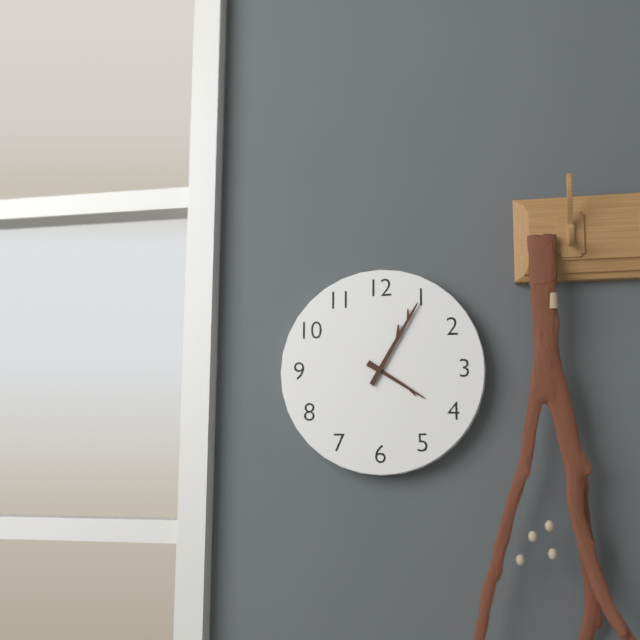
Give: 4h05
